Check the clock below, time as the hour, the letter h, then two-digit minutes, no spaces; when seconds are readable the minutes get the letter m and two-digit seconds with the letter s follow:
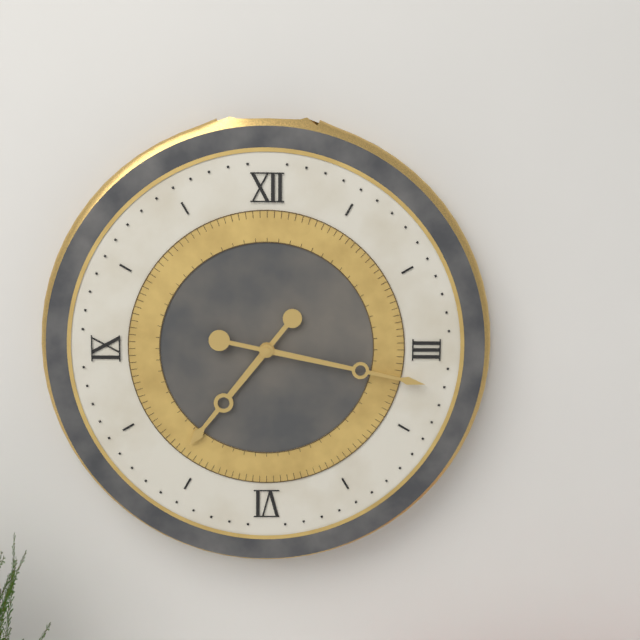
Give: 7h17
